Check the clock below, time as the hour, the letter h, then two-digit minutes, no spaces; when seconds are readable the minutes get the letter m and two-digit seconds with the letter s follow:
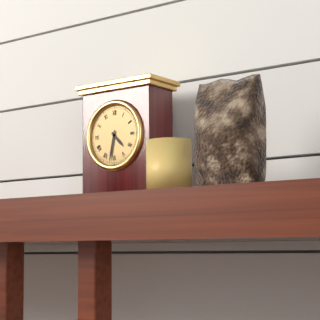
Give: 4h32
